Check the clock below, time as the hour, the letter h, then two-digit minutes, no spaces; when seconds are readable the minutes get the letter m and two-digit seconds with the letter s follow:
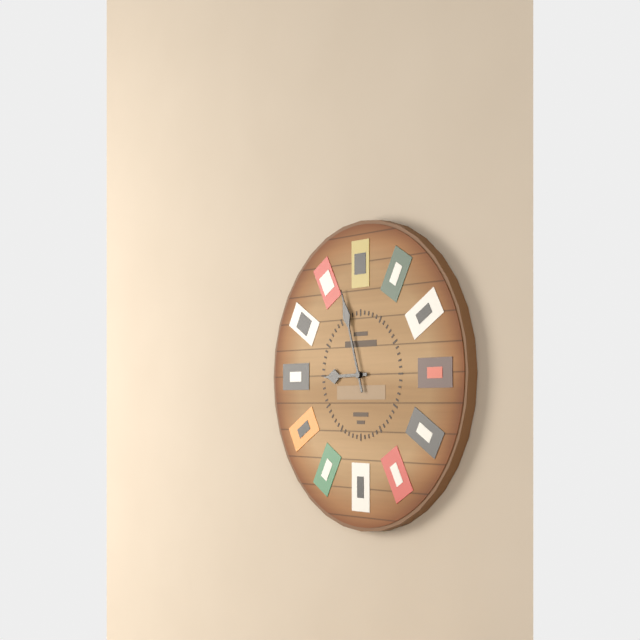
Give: 8h57
